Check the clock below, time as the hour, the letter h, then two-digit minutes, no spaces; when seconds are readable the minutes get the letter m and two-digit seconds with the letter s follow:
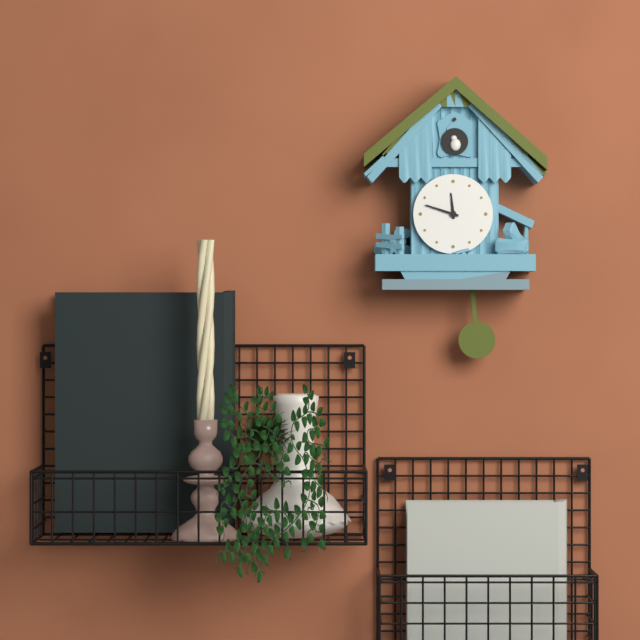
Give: 11h48
